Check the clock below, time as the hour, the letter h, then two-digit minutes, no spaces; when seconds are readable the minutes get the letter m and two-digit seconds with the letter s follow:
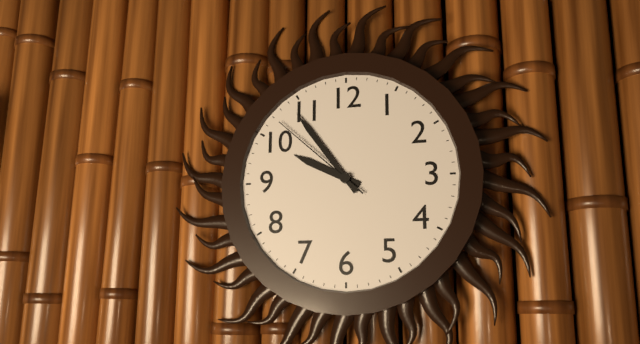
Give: 9h54m52s
